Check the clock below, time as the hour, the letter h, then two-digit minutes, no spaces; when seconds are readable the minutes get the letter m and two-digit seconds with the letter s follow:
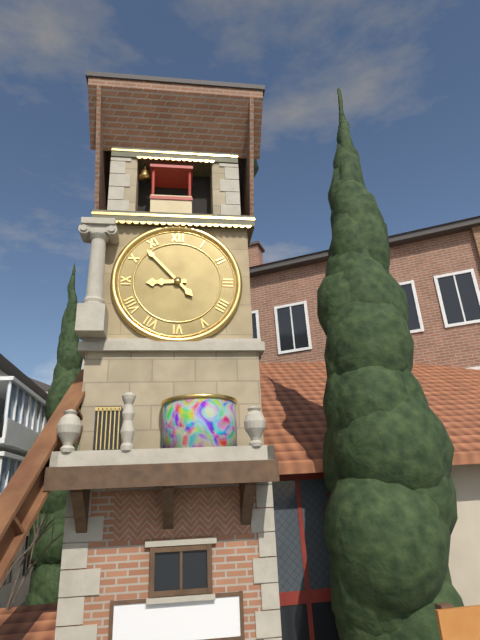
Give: 8h53
